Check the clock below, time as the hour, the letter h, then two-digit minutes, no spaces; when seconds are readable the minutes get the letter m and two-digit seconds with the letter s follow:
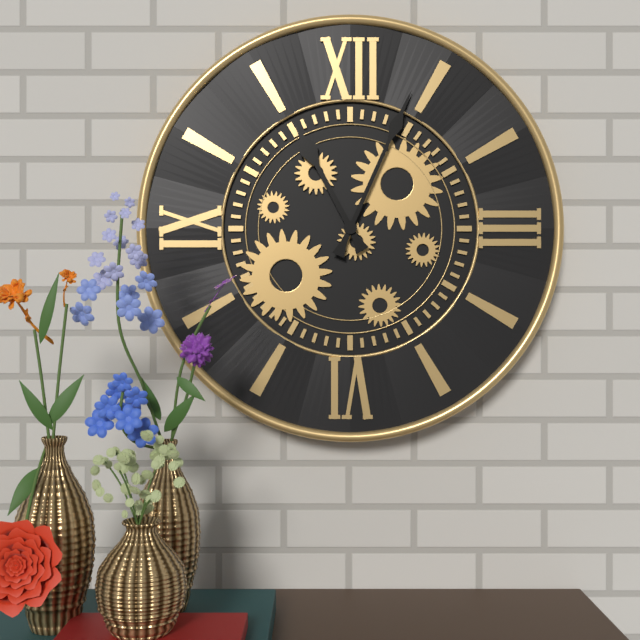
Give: 11h04
